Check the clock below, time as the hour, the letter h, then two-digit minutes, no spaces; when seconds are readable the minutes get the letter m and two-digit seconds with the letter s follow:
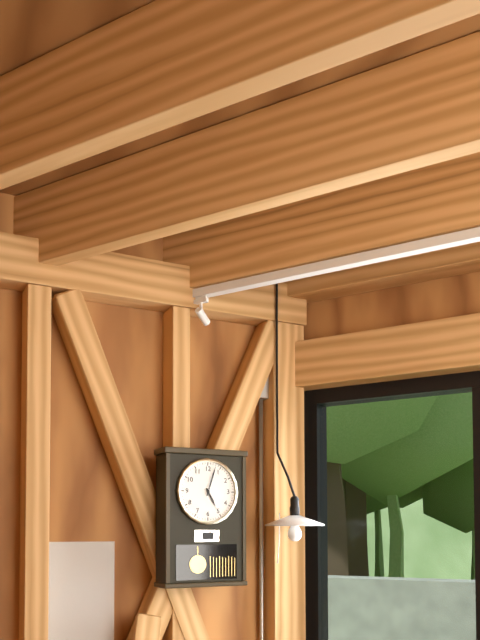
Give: 5h03
